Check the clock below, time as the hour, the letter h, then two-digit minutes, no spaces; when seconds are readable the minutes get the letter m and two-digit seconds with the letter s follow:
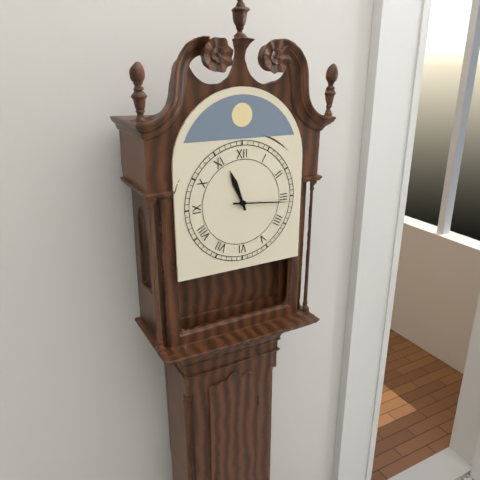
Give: 11h16
